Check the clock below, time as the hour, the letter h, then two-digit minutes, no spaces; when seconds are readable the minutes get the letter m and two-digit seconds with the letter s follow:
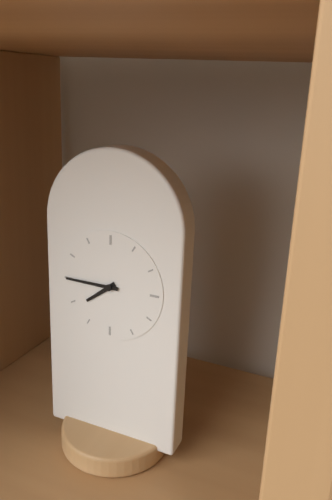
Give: 7h45
